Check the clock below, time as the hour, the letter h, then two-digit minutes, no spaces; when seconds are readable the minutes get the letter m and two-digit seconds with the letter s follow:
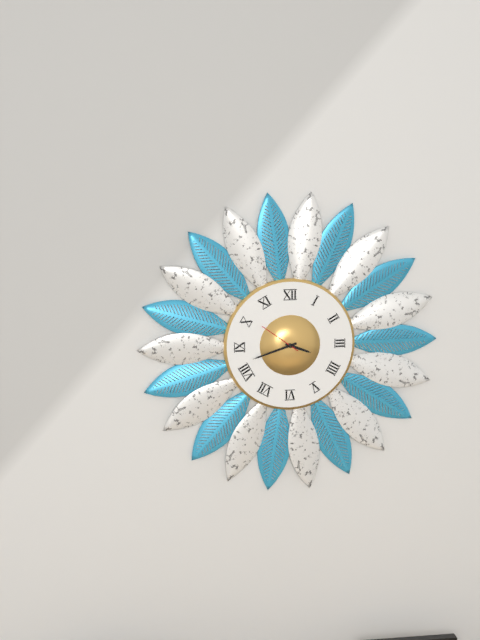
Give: 3h42
